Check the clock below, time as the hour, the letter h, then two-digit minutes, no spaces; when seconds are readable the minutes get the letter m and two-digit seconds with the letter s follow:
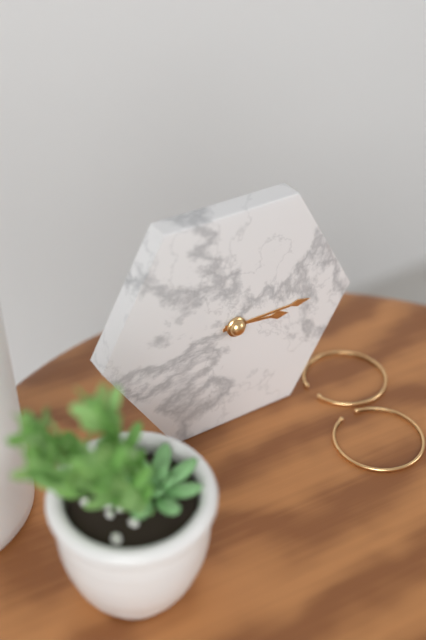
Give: 3h15
